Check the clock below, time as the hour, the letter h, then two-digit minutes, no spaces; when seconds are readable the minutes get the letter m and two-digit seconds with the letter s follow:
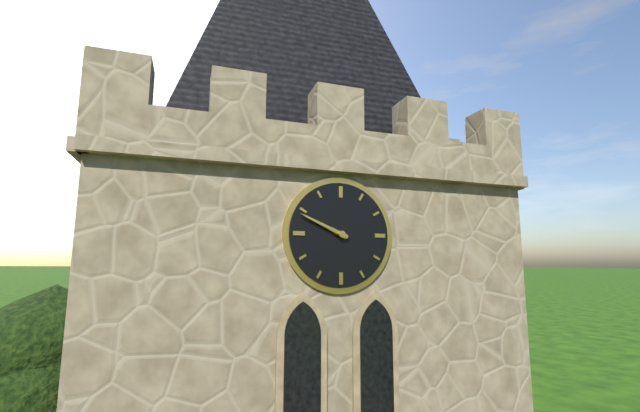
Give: 9h49
